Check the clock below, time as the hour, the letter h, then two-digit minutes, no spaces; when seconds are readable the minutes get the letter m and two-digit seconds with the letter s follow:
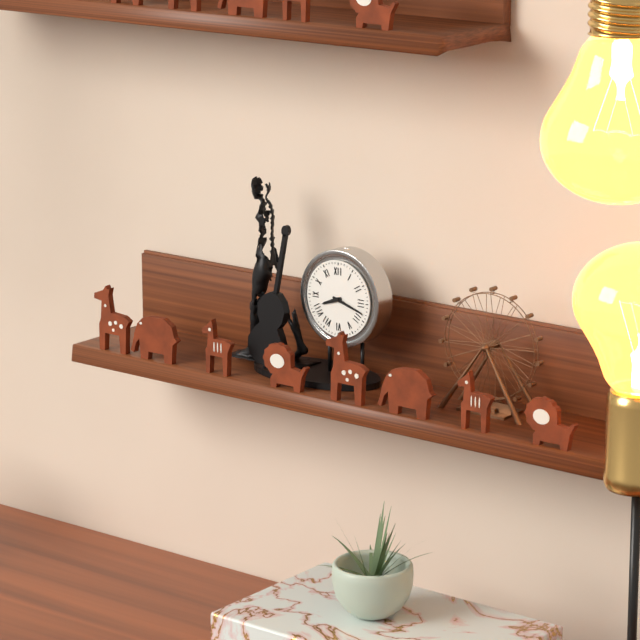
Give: 8h18
